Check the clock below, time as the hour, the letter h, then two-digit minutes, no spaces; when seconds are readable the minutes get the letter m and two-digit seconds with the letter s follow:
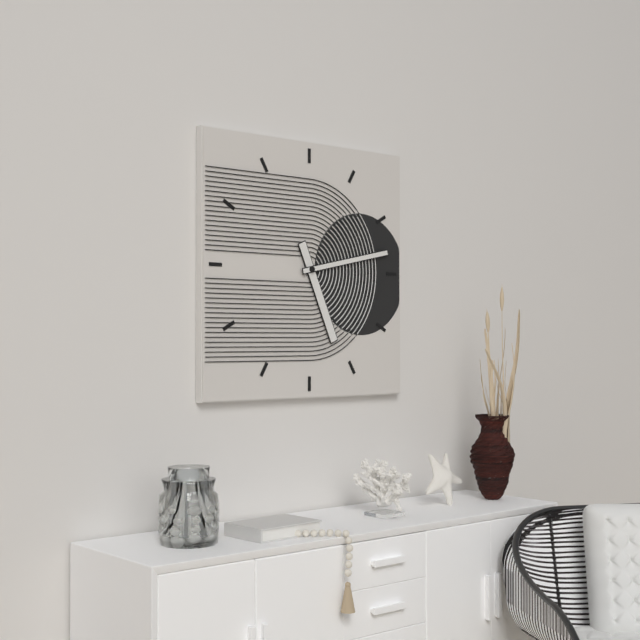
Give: 5h13
